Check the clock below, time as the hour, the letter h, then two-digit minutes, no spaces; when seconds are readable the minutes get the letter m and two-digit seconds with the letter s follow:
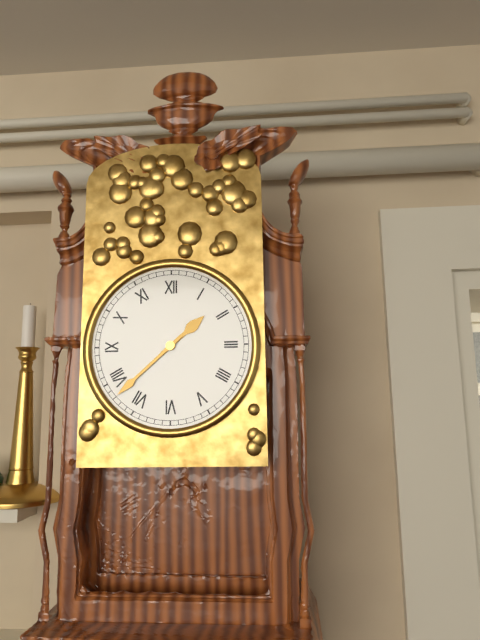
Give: 1h38
